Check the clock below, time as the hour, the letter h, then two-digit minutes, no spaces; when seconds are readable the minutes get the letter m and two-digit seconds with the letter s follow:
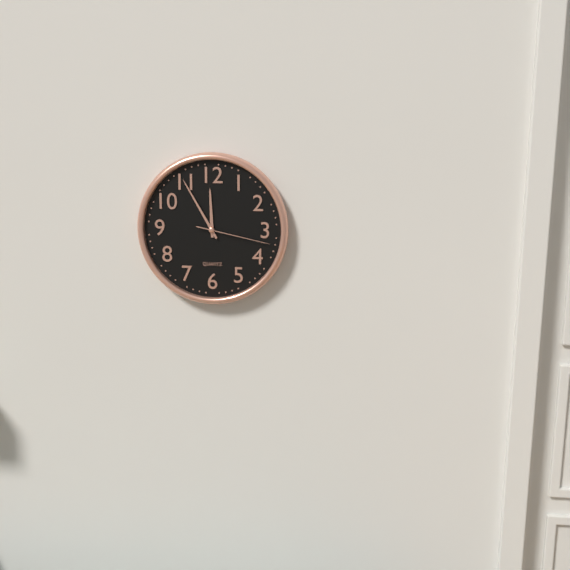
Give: 11h55m17s
